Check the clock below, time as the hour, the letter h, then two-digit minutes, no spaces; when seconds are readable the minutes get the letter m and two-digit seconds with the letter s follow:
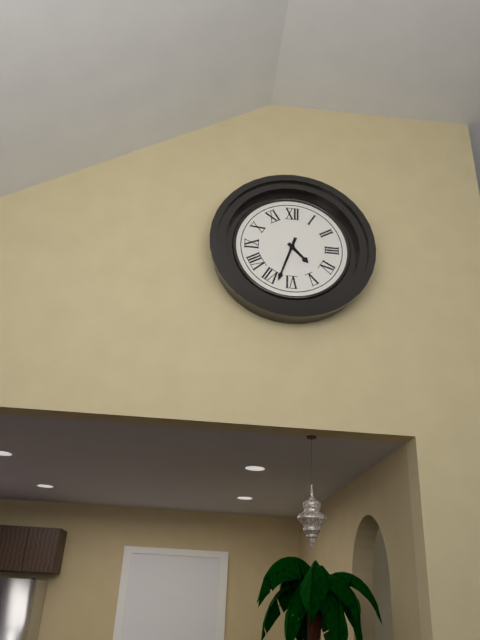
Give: 4h33
